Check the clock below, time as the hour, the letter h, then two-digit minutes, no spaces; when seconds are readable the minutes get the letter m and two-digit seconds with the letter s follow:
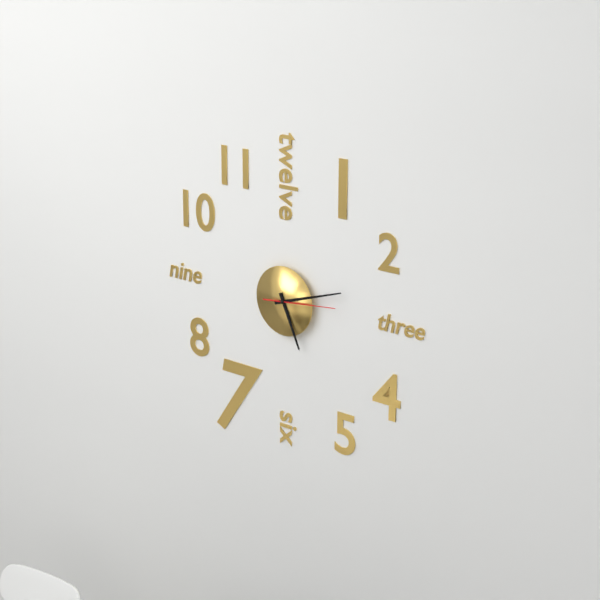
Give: 5h12m14s
